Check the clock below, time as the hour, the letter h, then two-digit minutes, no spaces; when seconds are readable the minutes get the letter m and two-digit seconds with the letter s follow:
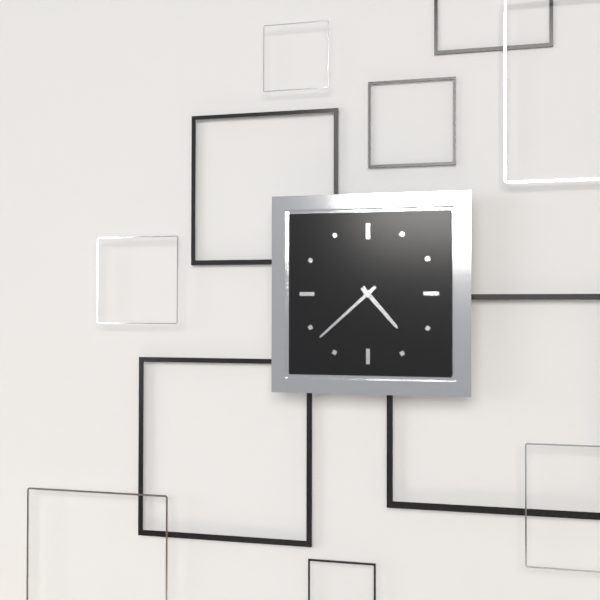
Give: 4h38
